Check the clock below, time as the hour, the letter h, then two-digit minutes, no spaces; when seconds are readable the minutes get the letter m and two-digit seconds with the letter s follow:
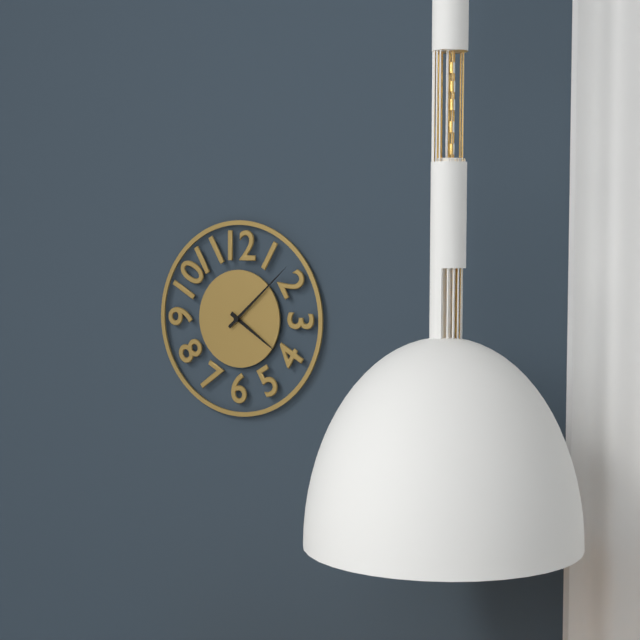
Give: 4h08
